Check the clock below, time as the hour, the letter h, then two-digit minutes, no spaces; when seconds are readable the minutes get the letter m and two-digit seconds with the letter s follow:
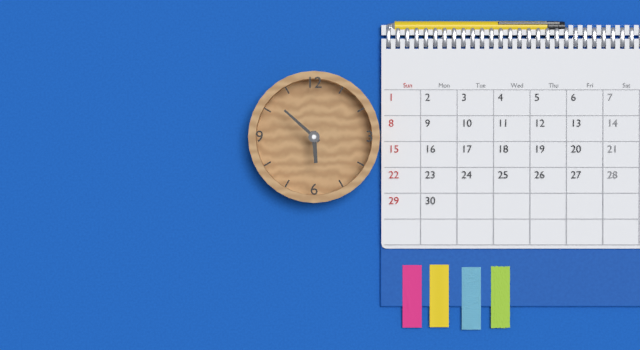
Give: 5h52
